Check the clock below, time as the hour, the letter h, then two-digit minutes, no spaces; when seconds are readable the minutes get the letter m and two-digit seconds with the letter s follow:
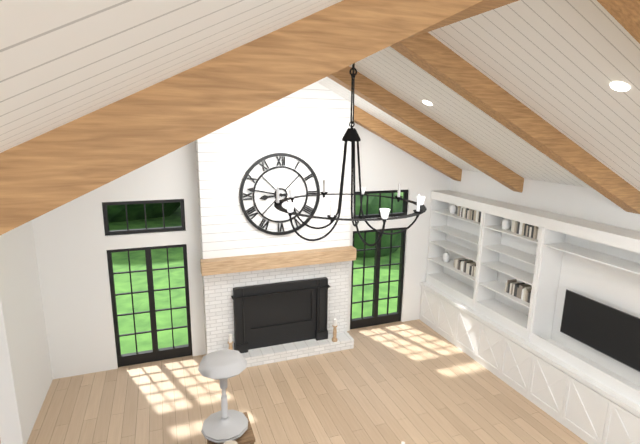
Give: 8h47
